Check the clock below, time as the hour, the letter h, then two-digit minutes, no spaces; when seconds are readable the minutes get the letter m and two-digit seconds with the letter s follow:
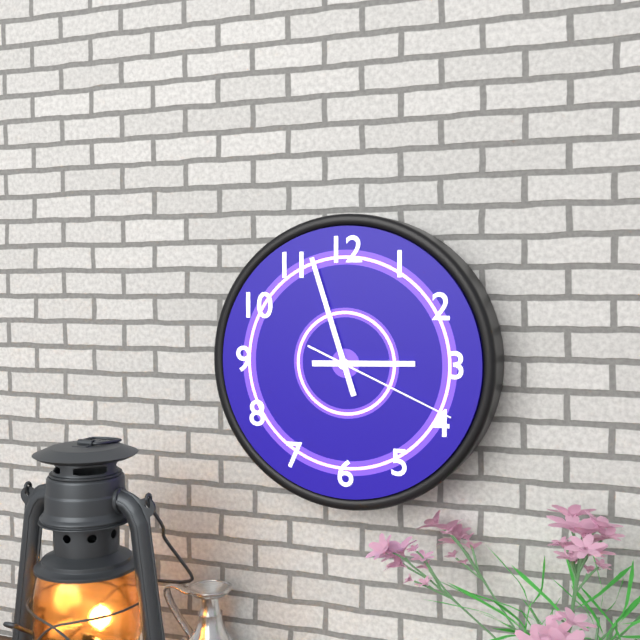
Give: 2h57m19s
